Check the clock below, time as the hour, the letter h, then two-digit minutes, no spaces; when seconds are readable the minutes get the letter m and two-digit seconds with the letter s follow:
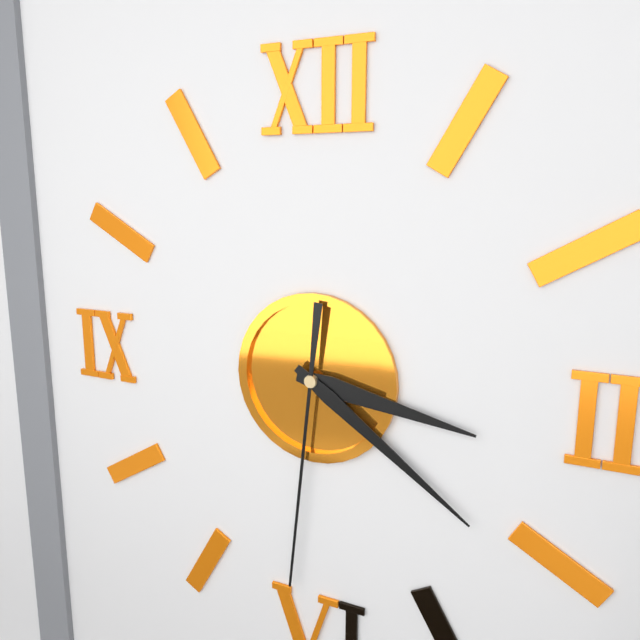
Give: 3h21m31s
